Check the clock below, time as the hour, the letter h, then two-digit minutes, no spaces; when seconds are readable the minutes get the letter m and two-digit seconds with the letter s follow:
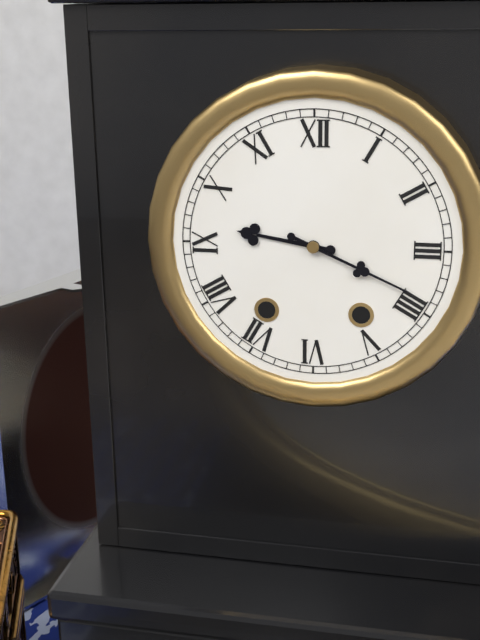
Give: 9h19
